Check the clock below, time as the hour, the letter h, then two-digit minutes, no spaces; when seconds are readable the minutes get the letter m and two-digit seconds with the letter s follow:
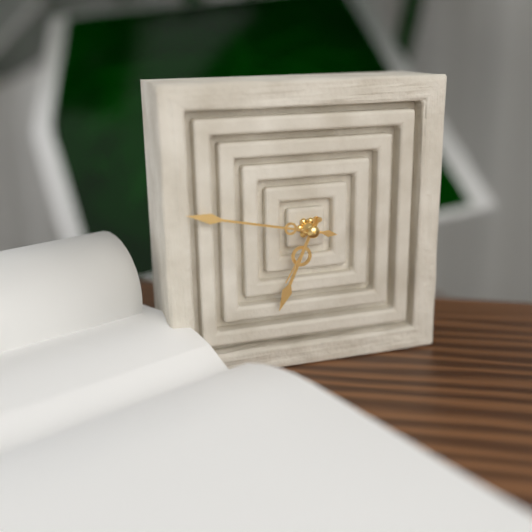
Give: 6h47m35s
